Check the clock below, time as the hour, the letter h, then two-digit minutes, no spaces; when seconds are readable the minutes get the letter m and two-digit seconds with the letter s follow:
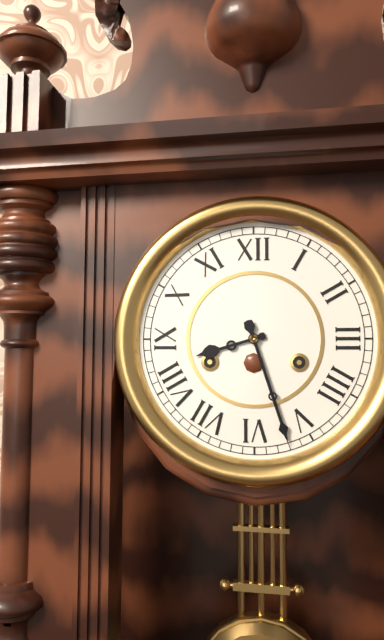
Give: 8h27
